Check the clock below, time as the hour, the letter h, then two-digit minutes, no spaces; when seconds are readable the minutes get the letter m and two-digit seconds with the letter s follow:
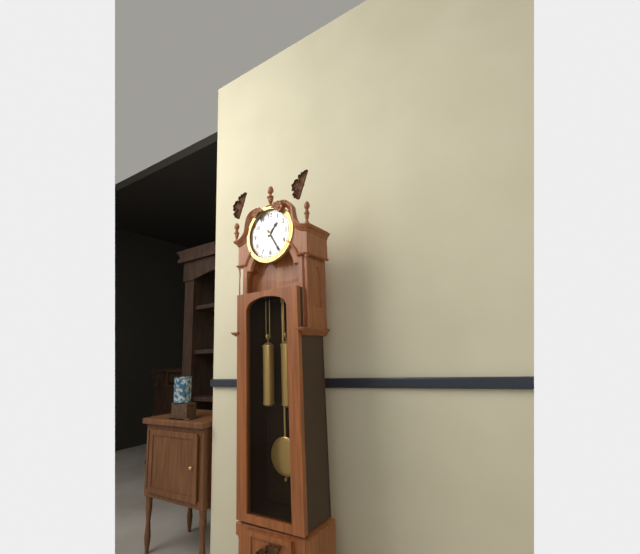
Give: 1h25
